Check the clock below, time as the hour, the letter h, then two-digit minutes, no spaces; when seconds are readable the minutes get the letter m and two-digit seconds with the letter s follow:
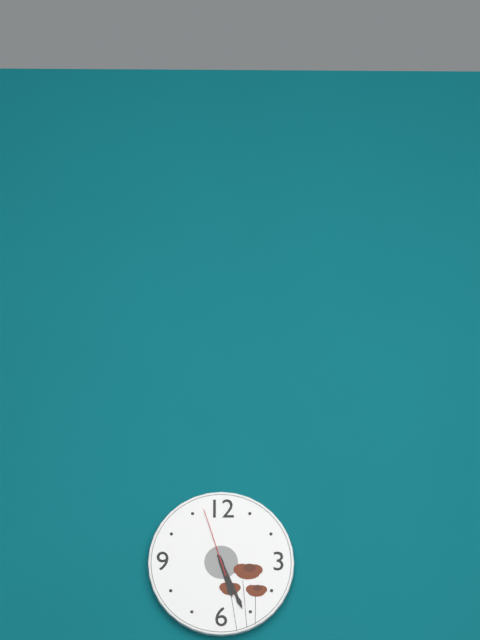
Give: 5h26m57s
